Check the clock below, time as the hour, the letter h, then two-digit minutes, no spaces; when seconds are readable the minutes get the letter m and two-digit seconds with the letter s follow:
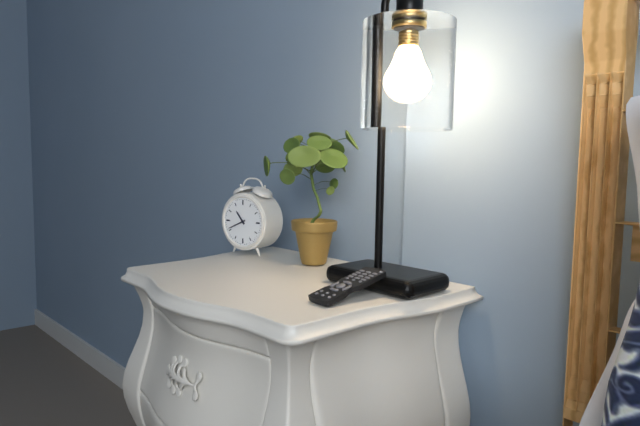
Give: 10h41
